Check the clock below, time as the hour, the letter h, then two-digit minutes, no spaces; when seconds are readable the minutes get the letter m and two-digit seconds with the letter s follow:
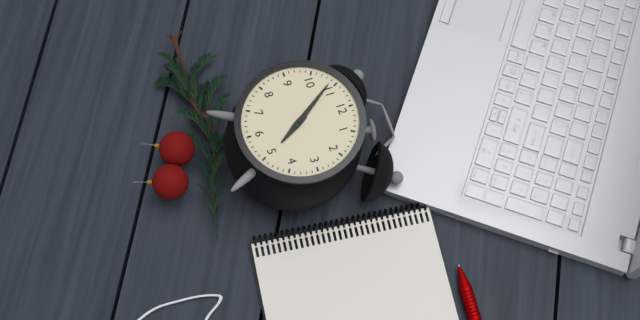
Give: 4h54
